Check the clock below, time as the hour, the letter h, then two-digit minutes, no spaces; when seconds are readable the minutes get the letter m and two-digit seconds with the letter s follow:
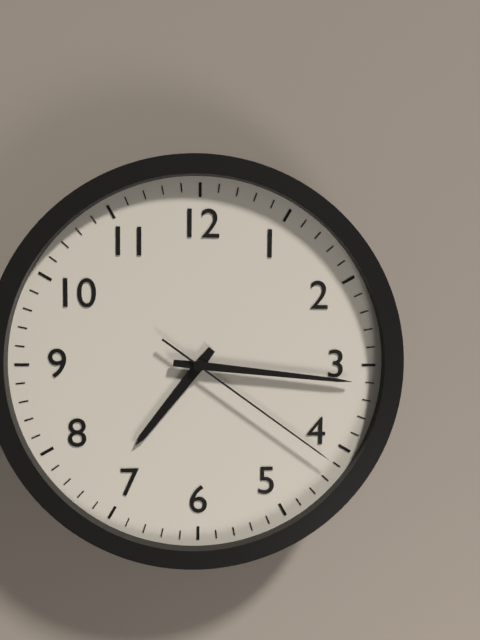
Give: 7h16m21s
